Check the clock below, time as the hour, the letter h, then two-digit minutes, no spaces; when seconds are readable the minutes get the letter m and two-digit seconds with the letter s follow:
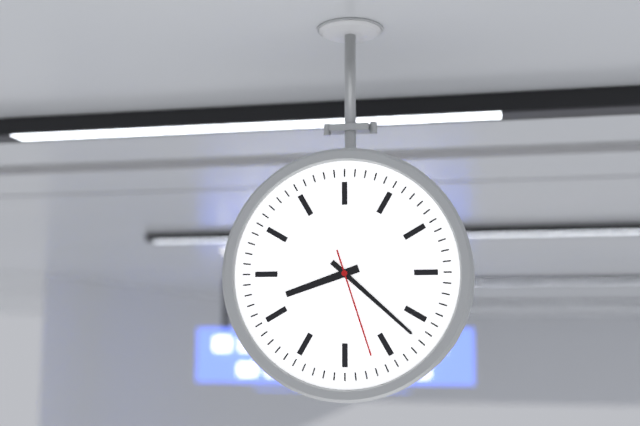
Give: 8h22m27s
